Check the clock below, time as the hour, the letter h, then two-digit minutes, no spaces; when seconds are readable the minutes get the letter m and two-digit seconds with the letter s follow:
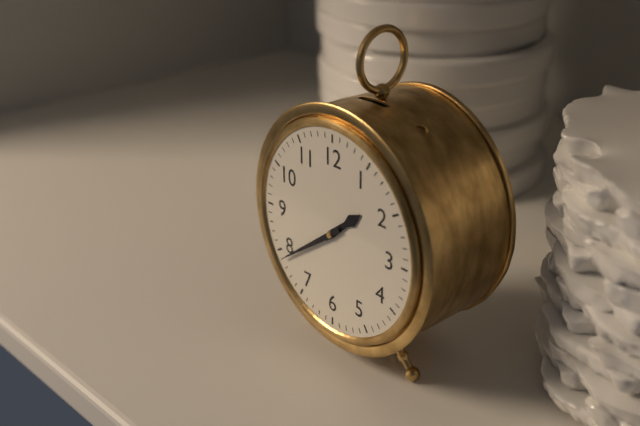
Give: 1h39
